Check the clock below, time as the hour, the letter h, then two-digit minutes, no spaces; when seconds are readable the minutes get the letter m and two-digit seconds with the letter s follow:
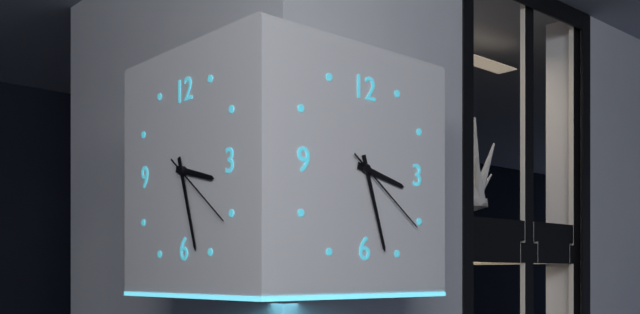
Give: 3h27m21s
